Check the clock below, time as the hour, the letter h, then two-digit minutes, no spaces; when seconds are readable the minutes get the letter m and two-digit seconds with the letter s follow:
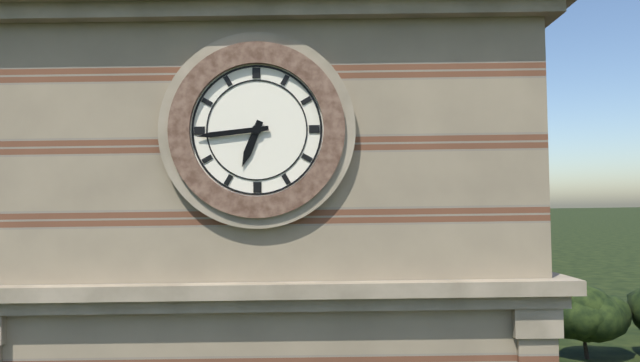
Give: 6h44
